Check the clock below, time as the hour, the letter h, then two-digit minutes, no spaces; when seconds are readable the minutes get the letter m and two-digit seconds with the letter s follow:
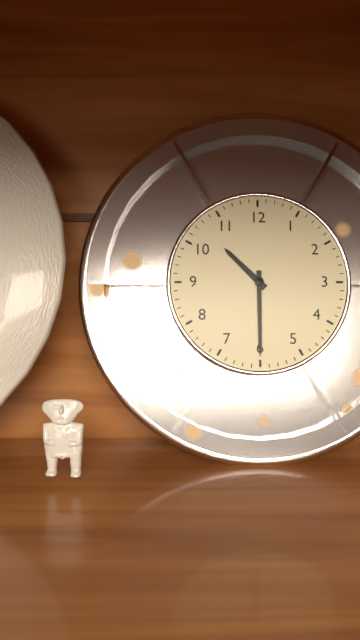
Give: 10h30
